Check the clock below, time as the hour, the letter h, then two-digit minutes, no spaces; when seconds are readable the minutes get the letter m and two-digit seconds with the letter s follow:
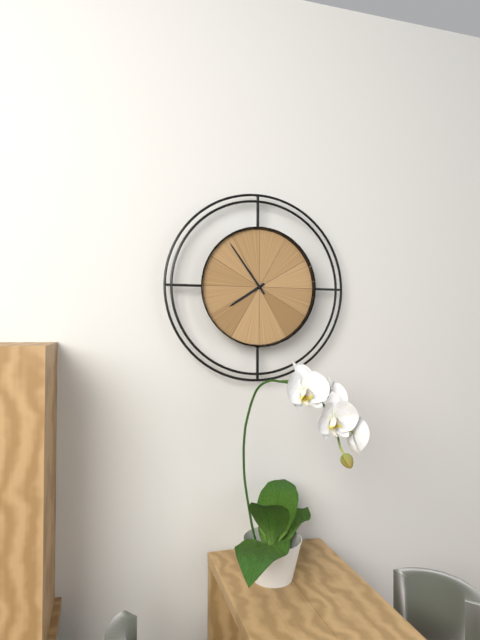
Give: 7h54
